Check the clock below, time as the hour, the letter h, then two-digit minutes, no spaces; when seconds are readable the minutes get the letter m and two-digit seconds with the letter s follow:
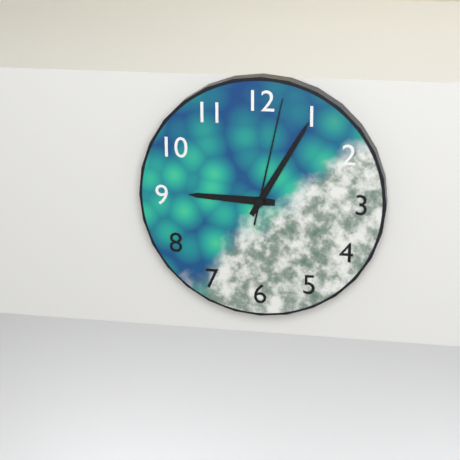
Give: 9h05m02s
